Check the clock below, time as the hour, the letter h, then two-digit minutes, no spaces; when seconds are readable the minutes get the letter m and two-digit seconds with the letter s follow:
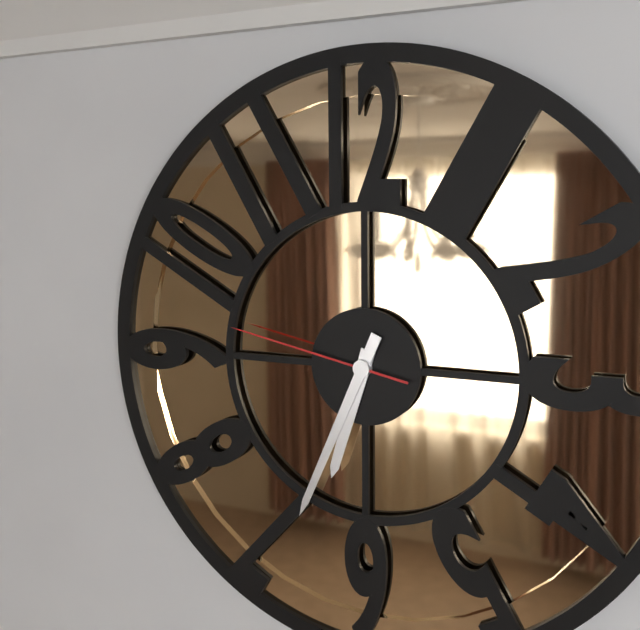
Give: 6h34m47s
